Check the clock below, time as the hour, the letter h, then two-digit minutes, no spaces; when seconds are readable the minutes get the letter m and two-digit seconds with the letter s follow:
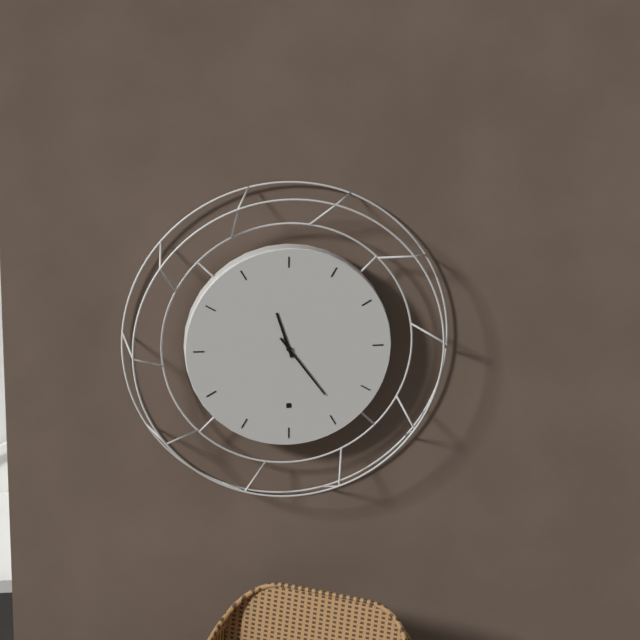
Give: 11h24
